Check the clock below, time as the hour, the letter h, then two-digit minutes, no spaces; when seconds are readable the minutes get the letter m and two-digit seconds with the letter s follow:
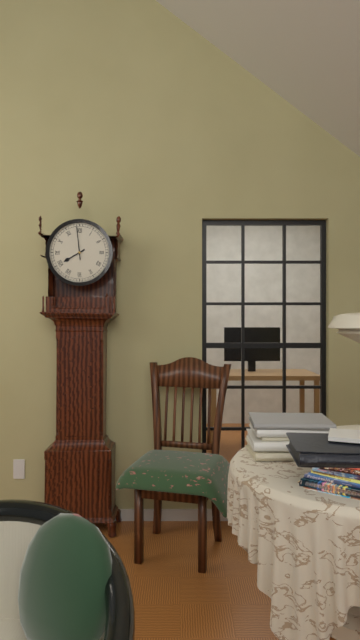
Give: 7h59
